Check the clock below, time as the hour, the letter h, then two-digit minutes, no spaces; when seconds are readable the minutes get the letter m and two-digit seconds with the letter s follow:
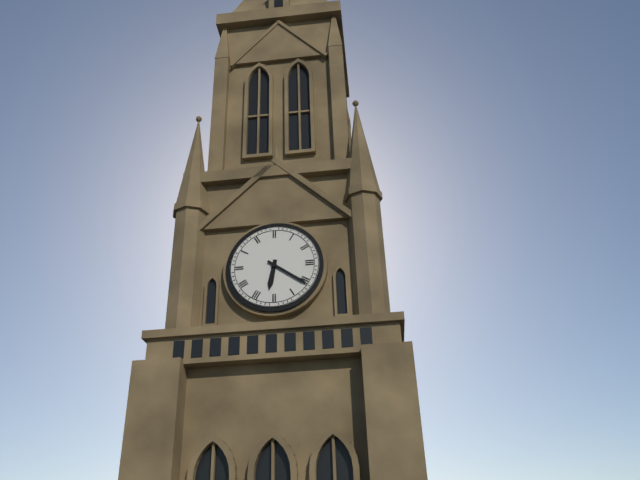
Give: 6h21
